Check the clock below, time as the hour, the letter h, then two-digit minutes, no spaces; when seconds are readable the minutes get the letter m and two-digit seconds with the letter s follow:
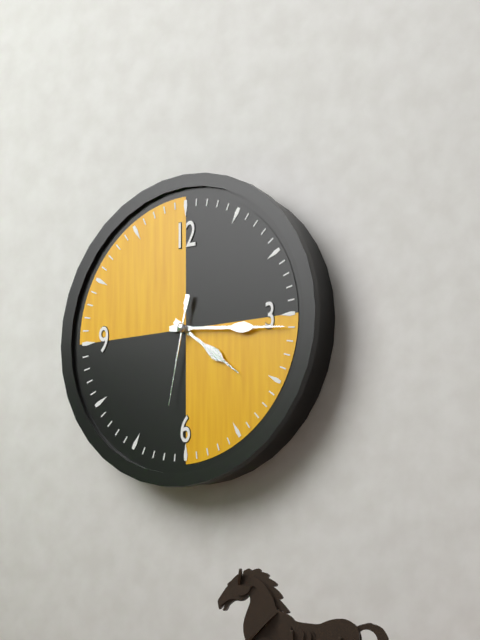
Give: 4h16m32s
